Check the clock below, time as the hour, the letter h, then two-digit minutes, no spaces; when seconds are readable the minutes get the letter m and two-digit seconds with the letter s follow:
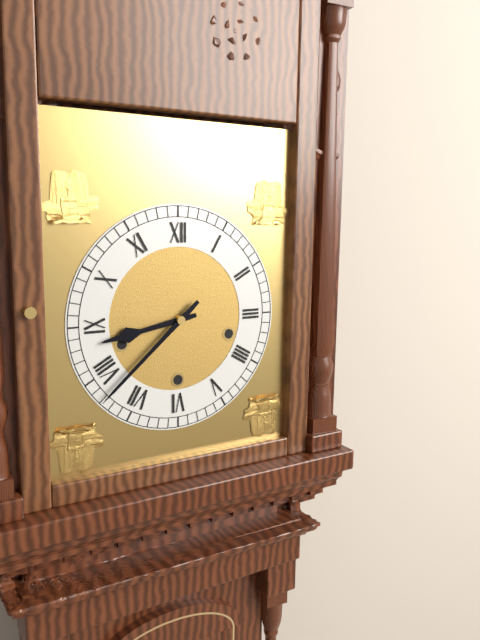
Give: 8h38
